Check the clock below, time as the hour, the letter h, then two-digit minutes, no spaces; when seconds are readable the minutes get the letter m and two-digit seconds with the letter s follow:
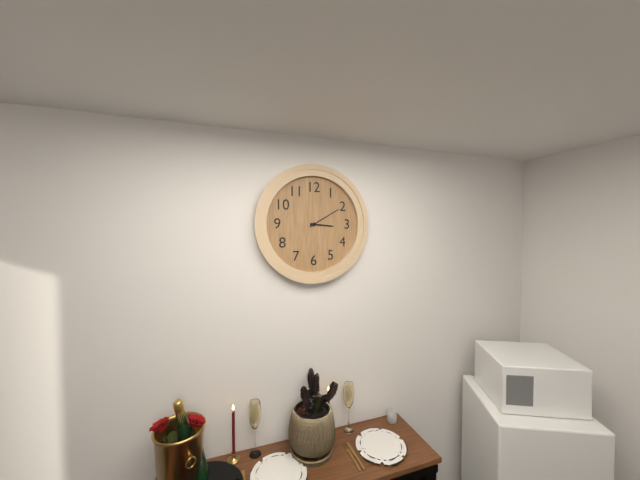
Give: 3h10
